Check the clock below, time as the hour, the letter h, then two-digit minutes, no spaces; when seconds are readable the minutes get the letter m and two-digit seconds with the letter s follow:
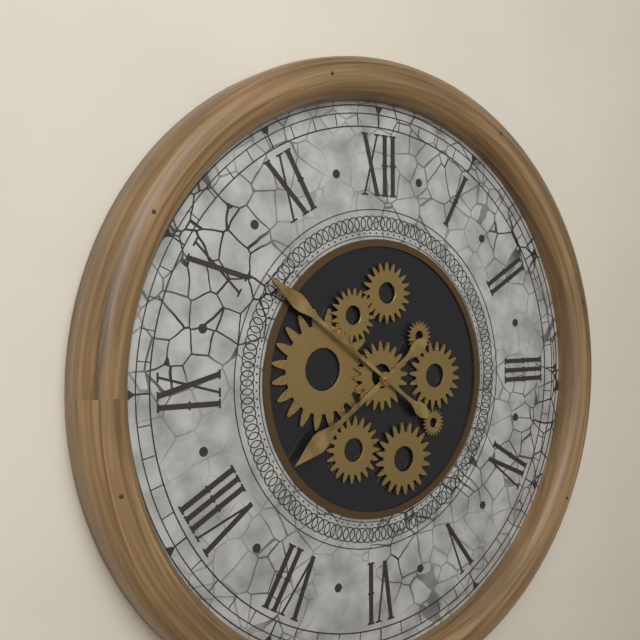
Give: 7h51
